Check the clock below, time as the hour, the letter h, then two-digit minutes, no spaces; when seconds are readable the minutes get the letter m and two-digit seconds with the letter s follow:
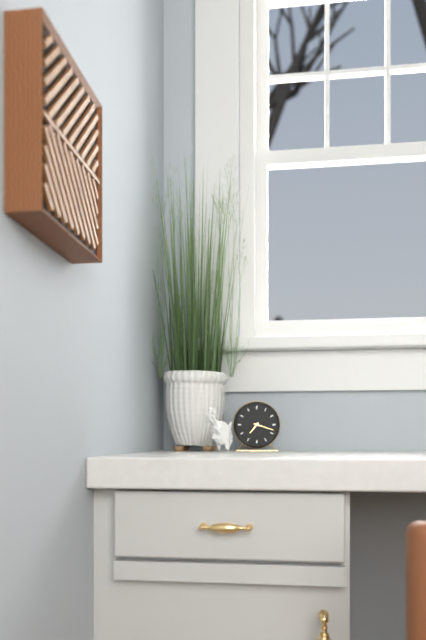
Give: 7h18
